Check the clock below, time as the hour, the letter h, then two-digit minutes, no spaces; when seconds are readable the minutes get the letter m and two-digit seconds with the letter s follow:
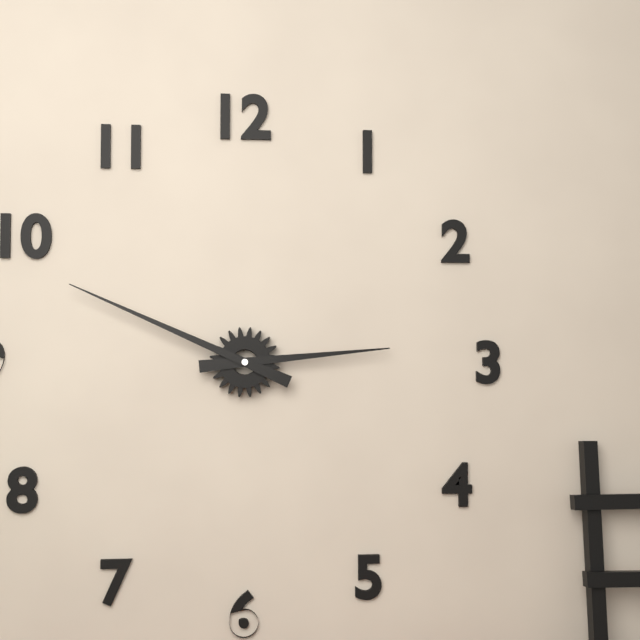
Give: 2h49
